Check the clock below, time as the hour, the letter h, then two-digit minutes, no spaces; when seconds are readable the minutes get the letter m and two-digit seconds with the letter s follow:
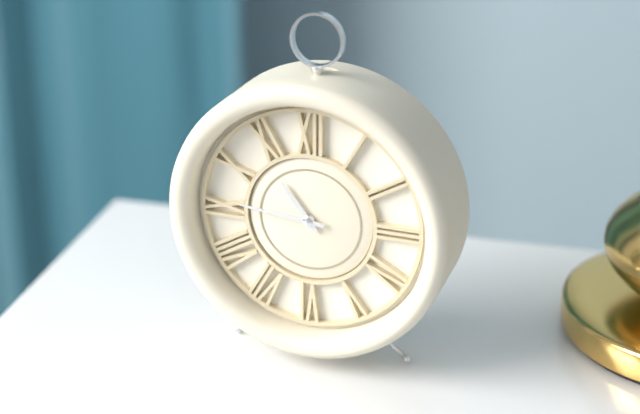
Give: 10h46
